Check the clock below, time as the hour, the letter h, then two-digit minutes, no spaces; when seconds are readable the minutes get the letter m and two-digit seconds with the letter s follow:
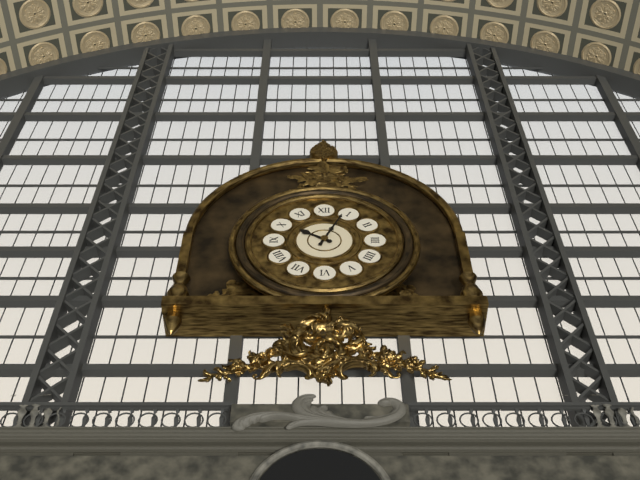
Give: 10h04
